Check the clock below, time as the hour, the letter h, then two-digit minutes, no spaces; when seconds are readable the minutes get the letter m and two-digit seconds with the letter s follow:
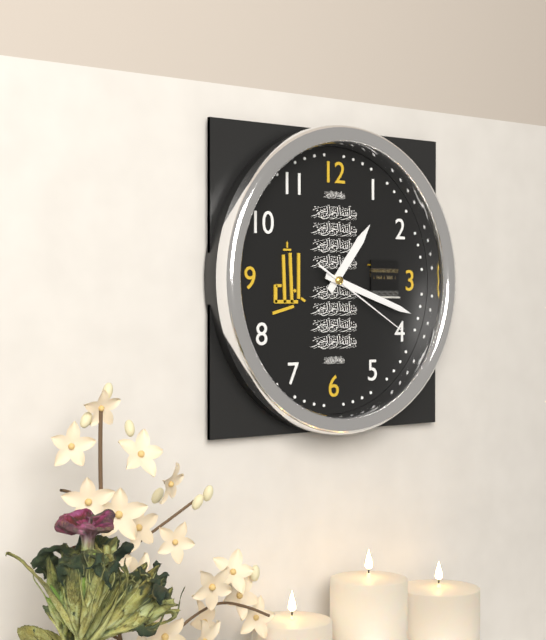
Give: 1h18m20s
